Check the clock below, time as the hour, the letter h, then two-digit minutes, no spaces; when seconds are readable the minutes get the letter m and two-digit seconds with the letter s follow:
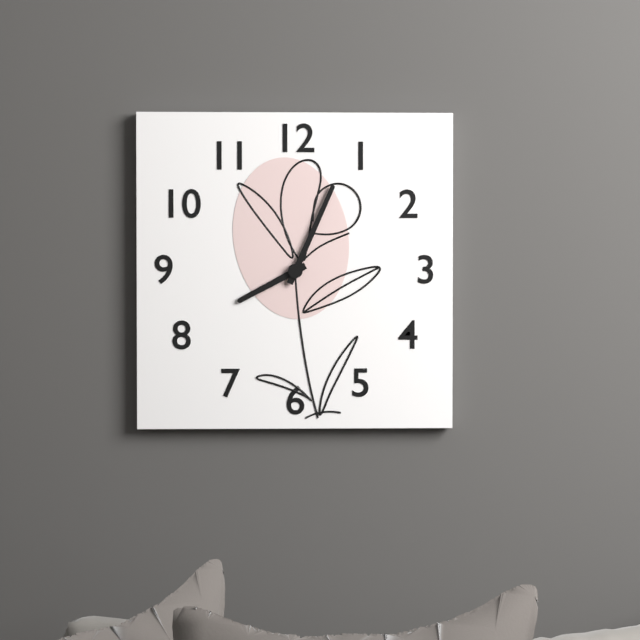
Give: 8h04
